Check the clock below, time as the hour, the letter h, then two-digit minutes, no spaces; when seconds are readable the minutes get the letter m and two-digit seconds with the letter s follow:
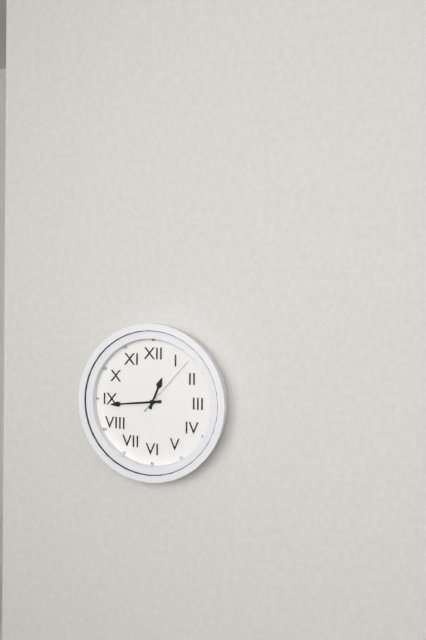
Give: 12h44m07s
